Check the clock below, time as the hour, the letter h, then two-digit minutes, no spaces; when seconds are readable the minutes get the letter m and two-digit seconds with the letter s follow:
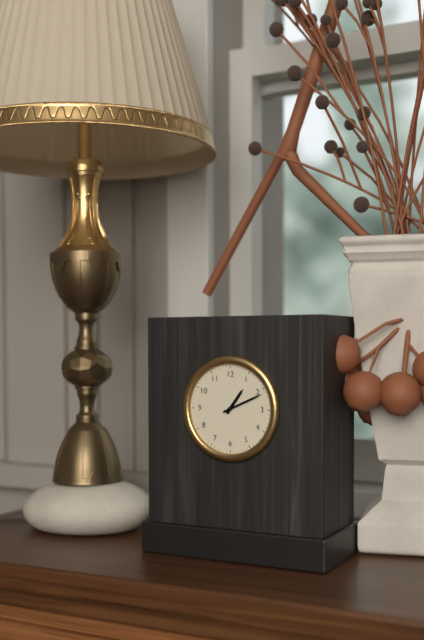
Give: 1h11
